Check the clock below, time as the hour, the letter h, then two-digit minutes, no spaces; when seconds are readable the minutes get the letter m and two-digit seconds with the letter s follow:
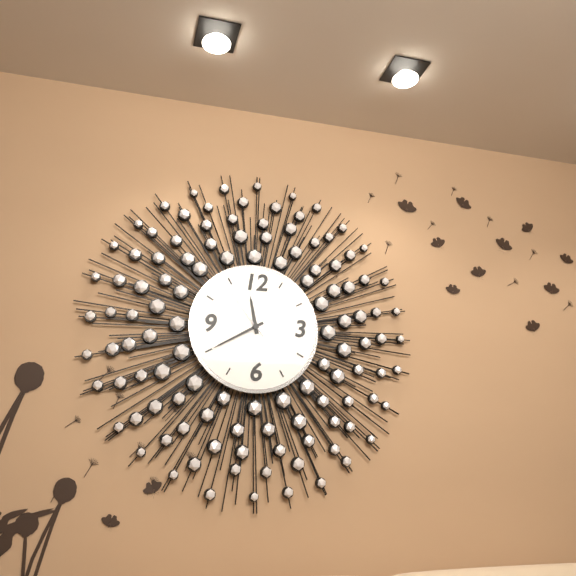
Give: 11h40m54s
